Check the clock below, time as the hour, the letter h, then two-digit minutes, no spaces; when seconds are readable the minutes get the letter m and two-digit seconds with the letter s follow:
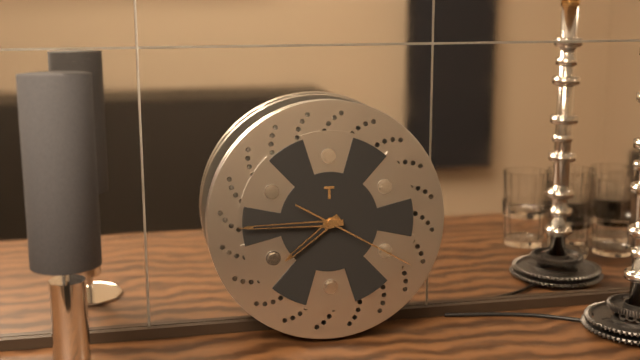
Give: 7h45m20s
